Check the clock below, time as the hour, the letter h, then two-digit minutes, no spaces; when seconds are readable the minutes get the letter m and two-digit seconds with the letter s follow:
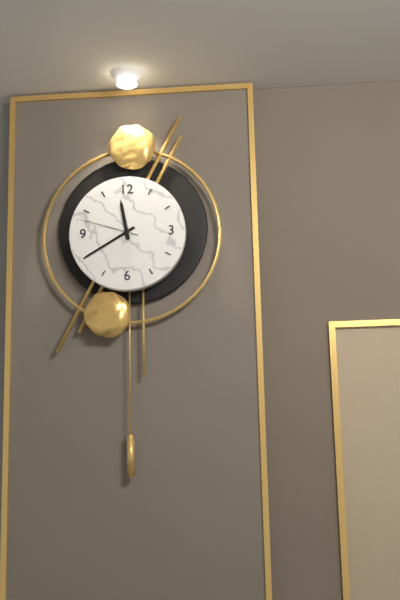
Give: 11h40m48s
